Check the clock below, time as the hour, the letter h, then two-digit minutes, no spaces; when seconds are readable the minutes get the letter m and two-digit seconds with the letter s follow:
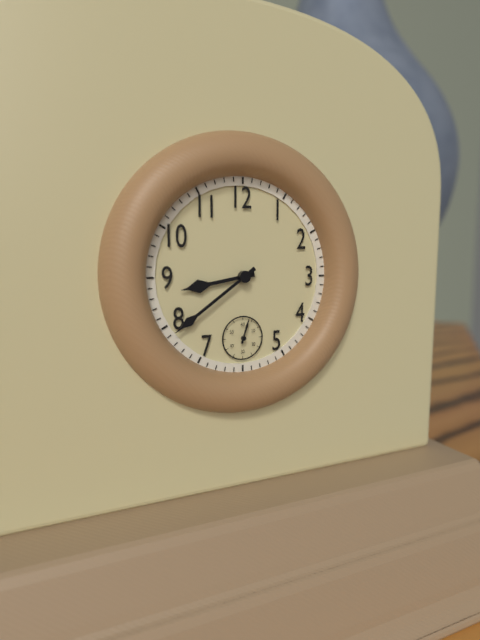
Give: 8h39
